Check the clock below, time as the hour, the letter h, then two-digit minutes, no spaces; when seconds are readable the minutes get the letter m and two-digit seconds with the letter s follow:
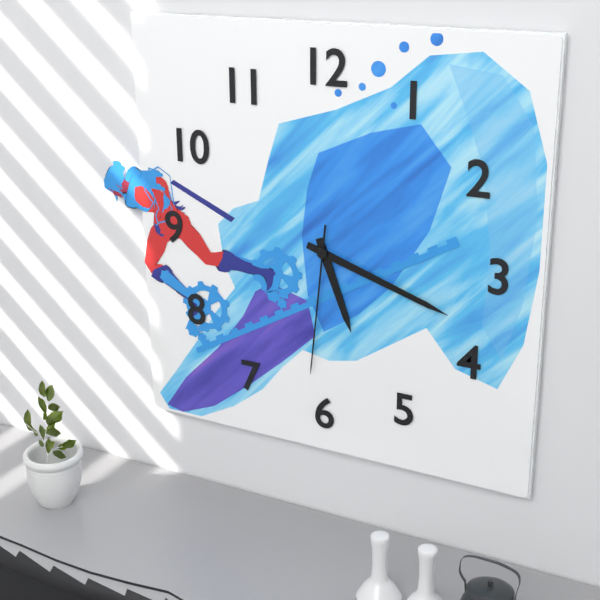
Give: 5h18m31s
